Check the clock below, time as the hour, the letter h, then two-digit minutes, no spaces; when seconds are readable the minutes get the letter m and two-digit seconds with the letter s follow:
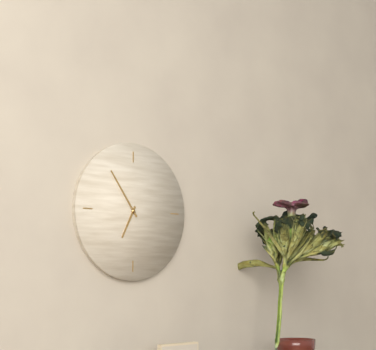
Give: 6h54
